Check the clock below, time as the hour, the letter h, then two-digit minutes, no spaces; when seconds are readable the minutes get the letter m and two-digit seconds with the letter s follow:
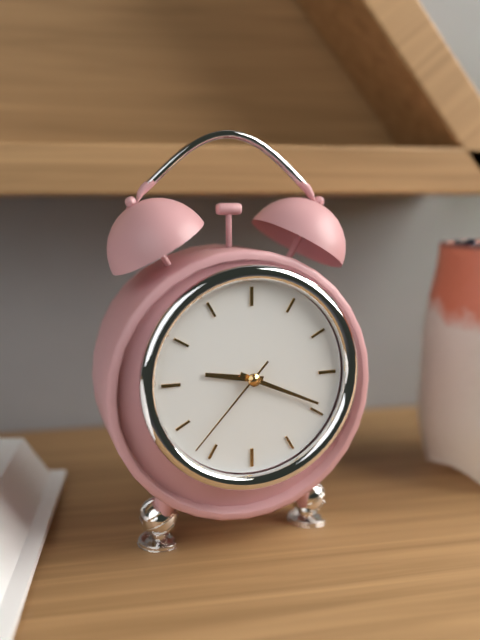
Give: 9h19m37s
